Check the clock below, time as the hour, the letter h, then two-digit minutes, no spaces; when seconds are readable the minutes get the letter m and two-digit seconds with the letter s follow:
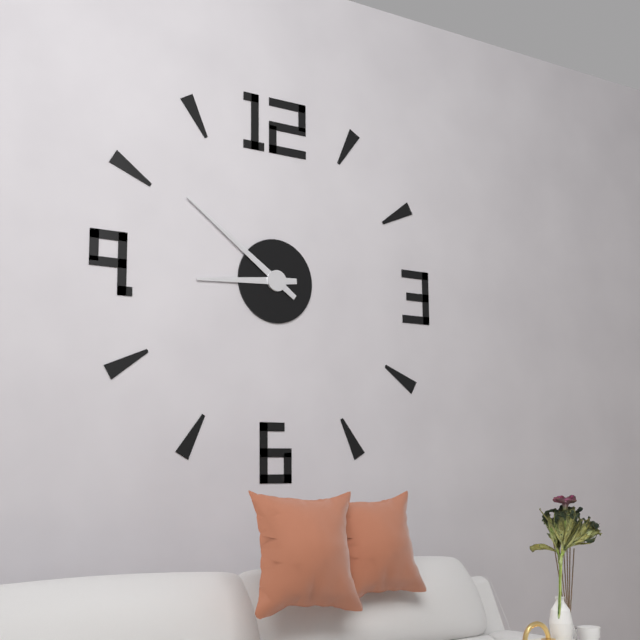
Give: 8h51
